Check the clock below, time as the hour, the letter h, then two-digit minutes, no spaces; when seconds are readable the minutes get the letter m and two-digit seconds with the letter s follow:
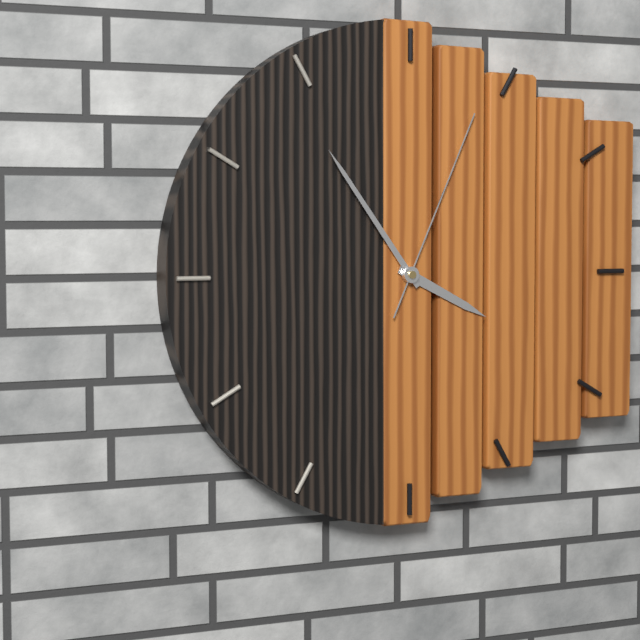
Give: 3h54m04s
